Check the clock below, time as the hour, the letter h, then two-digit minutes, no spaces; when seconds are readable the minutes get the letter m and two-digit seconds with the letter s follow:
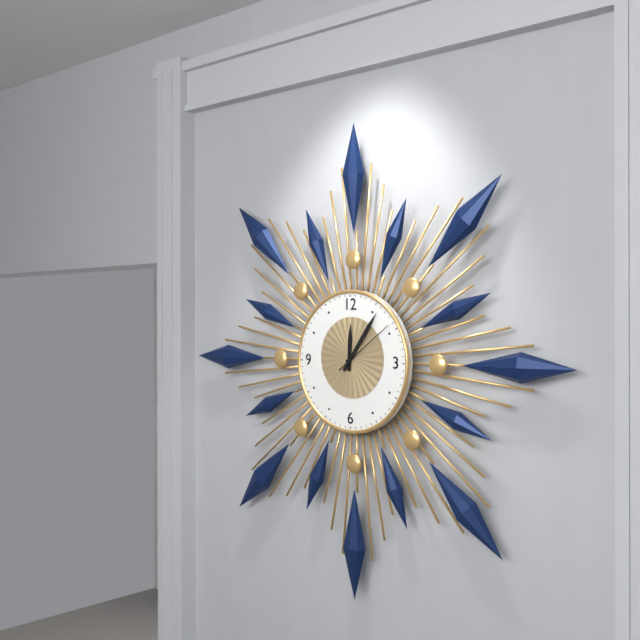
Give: 12h06m09s
